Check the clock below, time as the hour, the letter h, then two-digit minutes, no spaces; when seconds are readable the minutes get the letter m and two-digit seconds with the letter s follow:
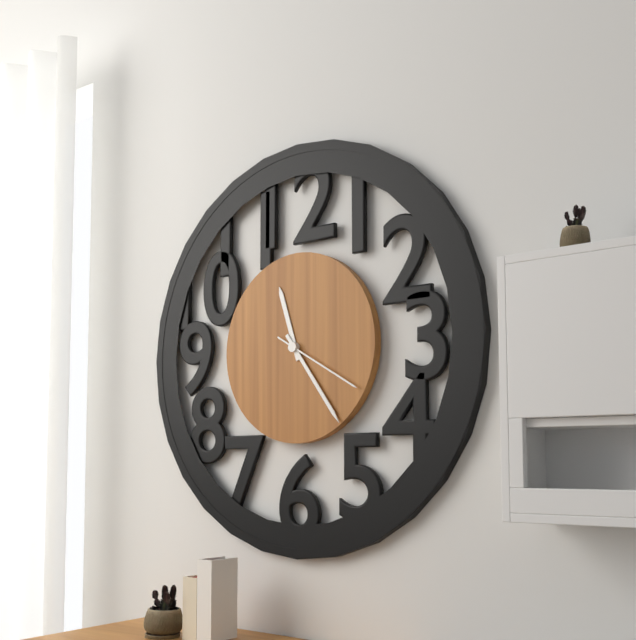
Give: 11h24m20s
